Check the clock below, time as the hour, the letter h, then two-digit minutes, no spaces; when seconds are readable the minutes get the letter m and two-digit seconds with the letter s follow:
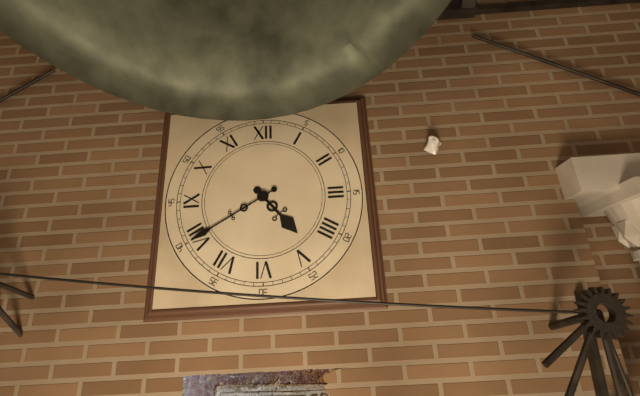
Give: 4h40
